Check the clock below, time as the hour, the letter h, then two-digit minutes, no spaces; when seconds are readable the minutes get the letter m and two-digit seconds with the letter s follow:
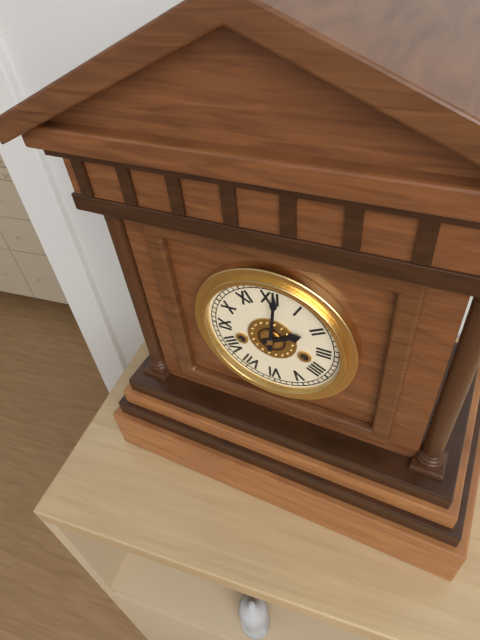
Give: 2h01
